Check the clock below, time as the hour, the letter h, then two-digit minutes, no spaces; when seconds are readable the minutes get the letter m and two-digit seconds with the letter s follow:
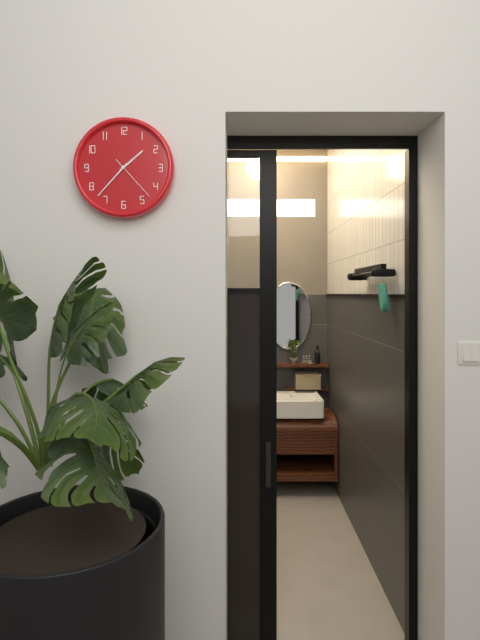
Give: 1h37
